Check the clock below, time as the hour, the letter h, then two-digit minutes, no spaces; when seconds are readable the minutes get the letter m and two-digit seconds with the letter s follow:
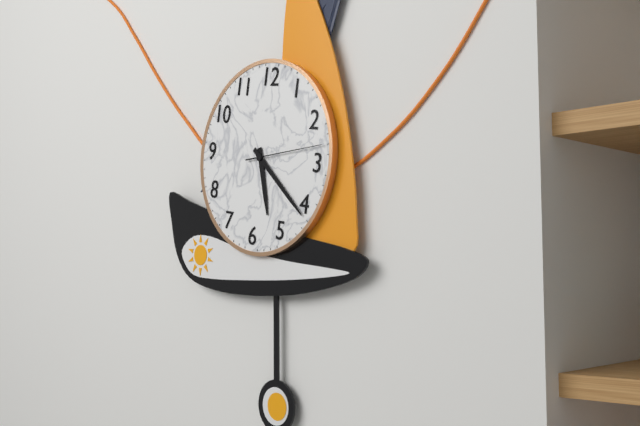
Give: 5h21m13s
